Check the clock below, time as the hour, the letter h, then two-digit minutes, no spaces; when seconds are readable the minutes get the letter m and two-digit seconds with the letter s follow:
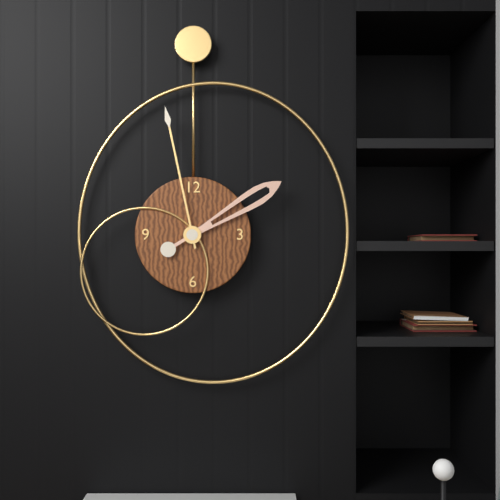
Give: 1h58
